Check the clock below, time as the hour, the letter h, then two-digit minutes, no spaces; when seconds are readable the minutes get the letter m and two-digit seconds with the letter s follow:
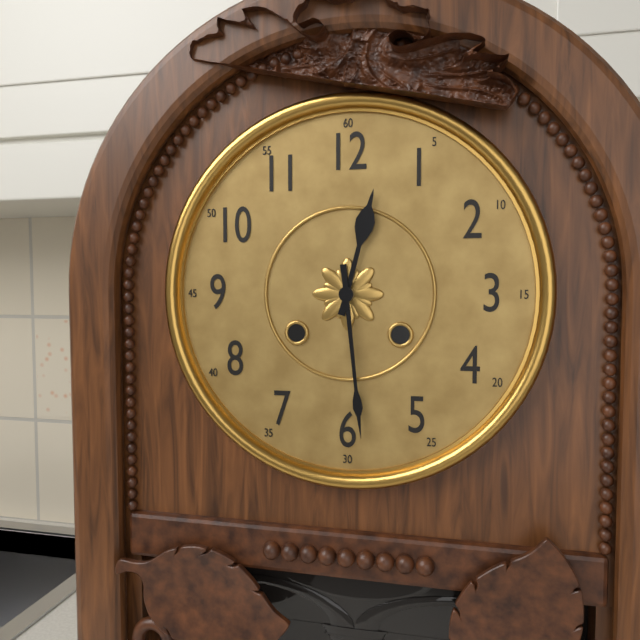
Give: 12h29
